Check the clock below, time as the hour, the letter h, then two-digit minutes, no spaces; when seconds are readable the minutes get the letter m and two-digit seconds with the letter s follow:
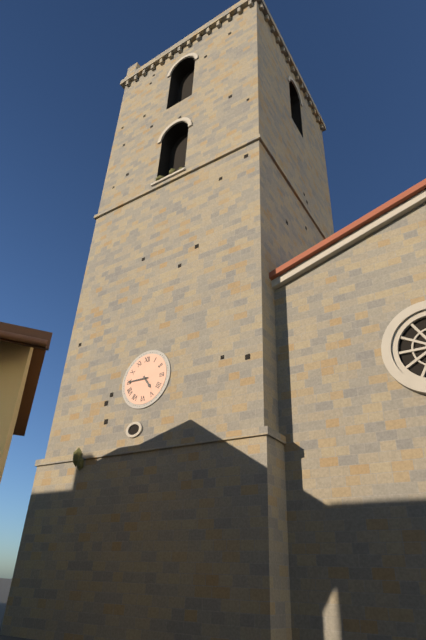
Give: 4h45
